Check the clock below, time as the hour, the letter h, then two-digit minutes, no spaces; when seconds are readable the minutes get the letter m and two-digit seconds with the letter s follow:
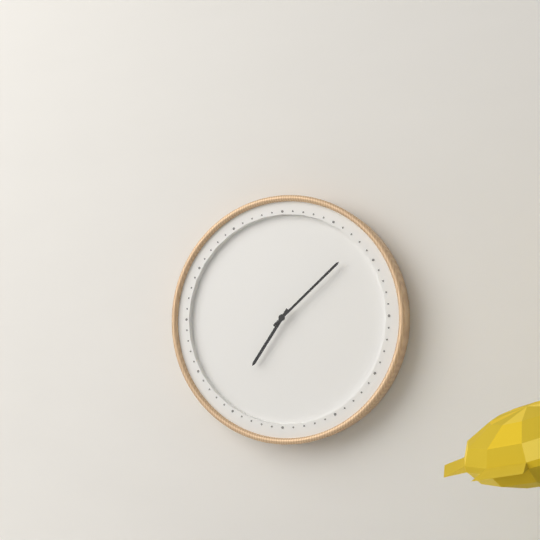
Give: 7h08
